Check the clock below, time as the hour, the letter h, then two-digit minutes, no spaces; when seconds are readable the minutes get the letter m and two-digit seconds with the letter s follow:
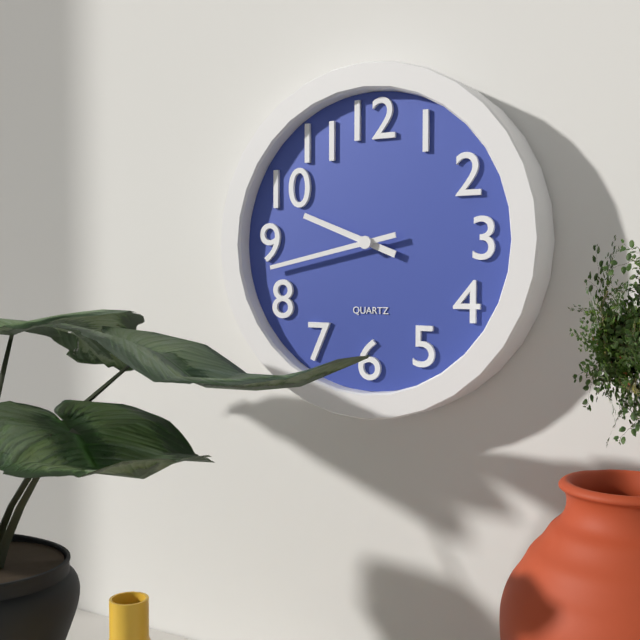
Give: 9h43
